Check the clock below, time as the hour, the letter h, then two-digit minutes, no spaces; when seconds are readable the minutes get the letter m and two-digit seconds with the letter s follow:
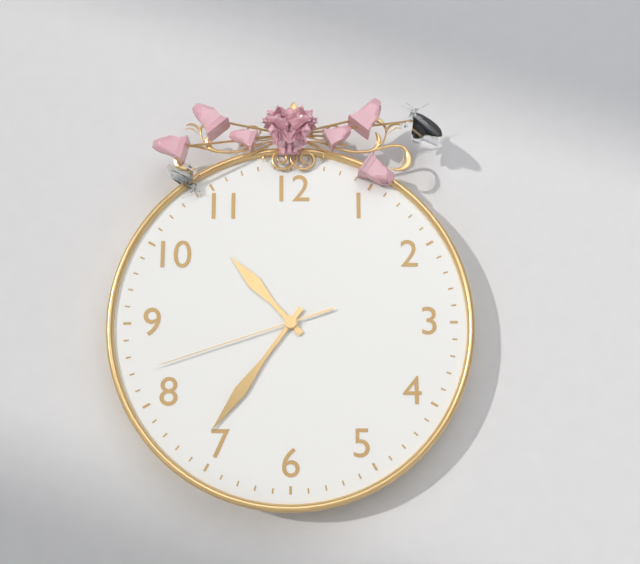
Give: 10h36m42s
